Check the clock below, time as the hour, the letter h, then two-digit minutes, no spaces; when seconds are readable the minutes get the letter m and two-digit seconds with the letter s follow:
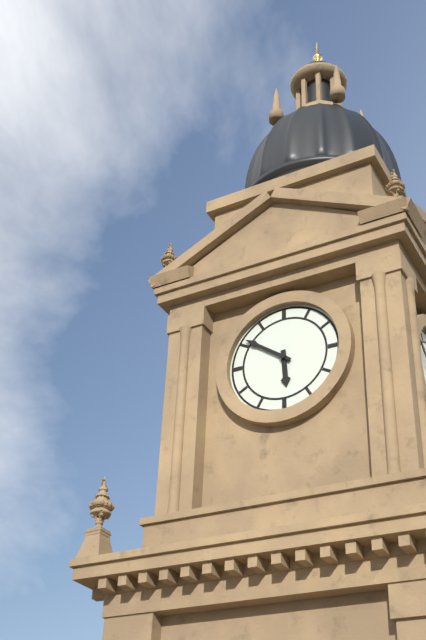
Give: 5h51
